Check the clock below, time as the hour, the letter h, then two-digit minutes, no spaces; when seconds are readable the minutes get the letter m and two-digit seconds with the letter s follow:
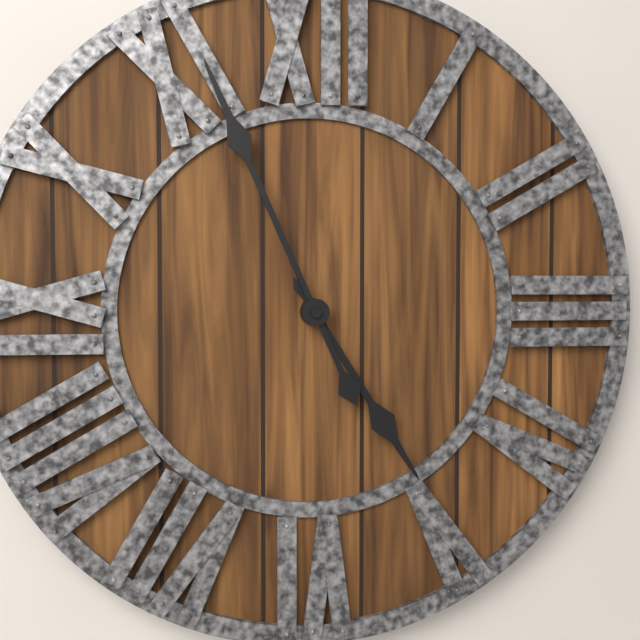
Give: 4h56
